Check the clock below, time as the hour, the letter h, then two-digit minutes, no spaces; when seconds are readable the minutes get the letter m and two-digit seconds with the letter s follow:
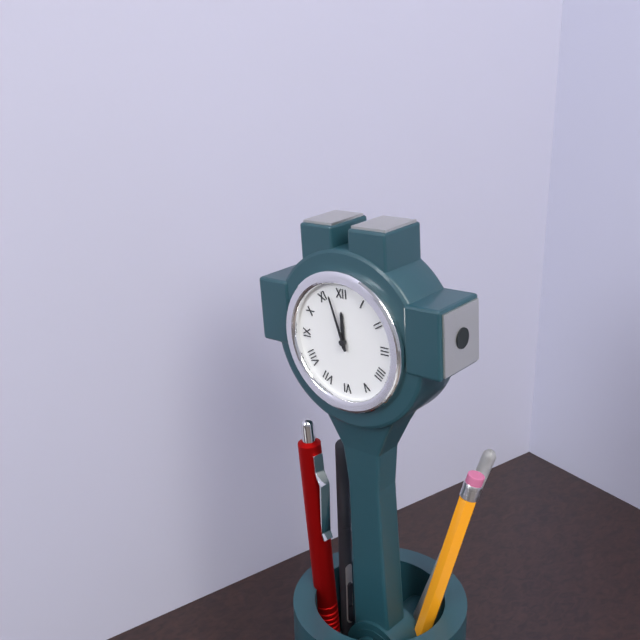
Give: 11h57
